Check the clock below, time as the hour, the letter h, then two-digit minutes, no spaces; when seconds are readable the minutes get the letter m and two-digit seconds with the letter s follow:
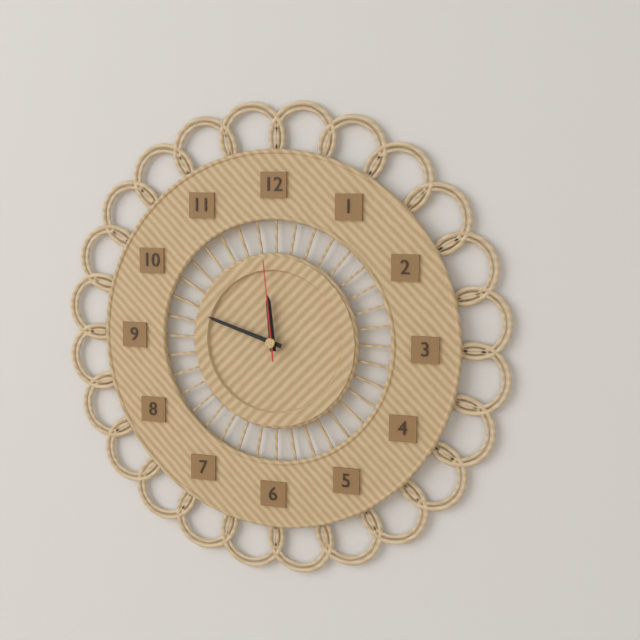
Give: 11h48m59s
